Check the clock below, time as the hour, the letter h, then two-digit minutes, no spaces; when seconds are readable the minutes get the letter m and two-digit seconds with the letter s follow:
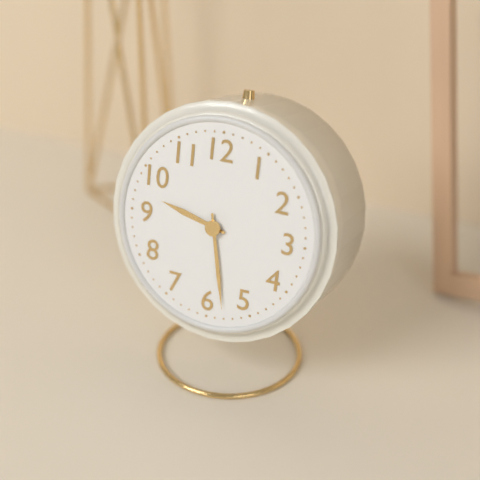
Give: 9h28
